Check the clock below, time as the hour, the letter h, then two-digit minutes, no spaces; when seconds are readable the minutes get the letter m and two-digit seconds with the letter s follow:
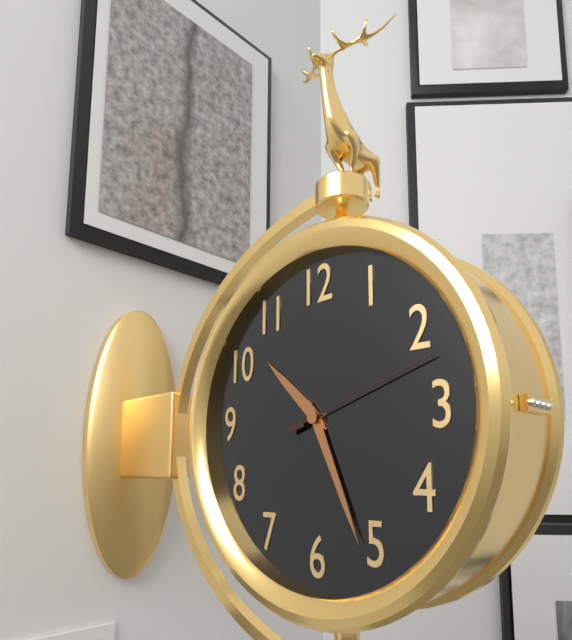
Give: 10h26m12s
